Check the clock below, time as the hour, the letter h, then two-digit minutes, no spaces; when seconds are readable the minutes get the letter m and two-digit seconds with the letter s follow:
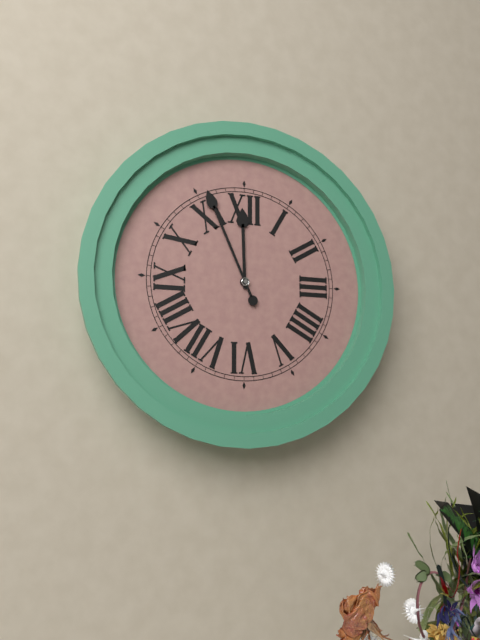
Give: 11h56
